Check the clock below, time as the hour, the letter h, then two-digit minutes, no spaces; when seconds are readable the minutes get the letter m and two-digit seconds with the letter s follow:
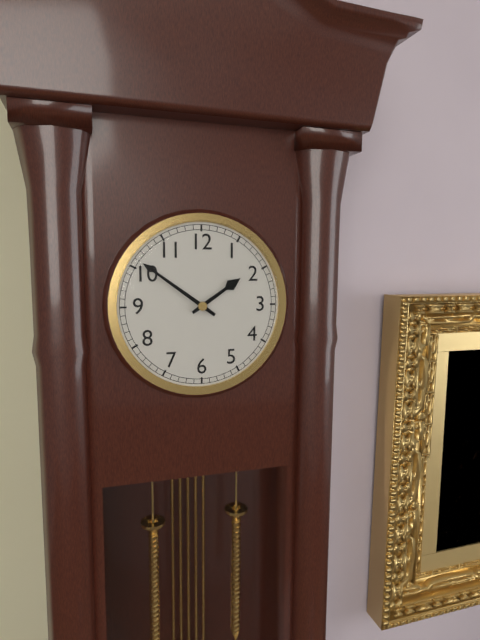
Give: 1h51
